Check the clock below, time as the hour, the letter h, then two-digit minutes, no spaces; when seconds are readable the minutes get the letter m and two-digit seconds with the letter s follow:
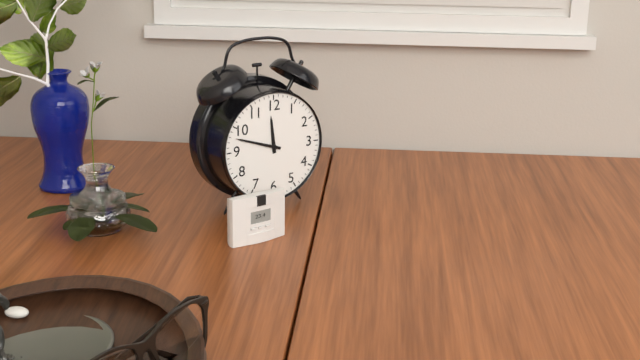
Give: 11h48
